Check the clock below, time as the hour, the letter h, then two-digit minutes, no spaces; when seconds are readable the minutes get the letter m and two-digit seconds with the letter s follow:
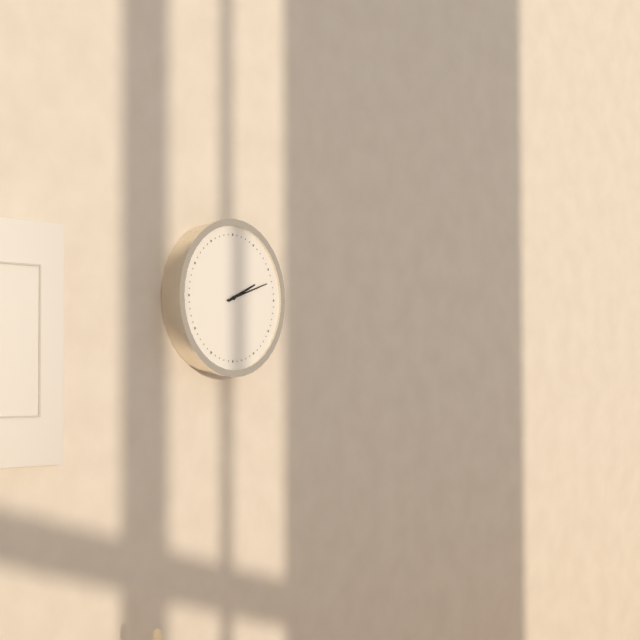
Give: 2h12
